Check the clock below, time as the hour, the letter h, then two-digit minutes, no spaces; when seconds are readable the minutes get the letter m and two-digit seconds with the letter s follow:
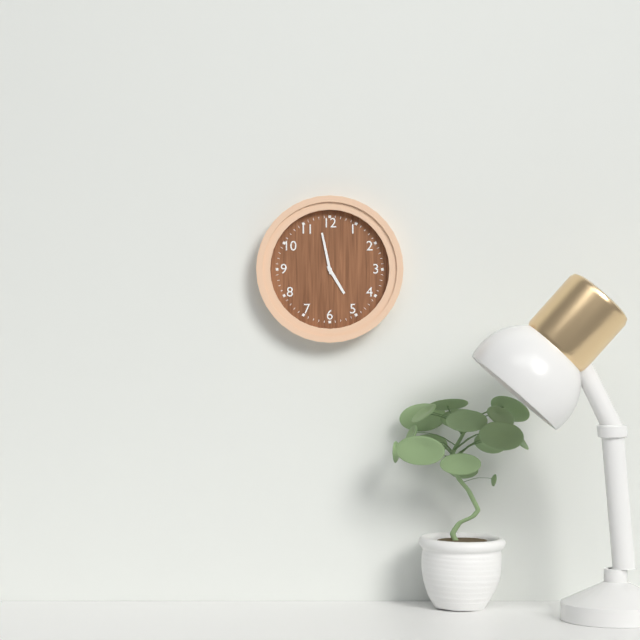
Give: 4h58
